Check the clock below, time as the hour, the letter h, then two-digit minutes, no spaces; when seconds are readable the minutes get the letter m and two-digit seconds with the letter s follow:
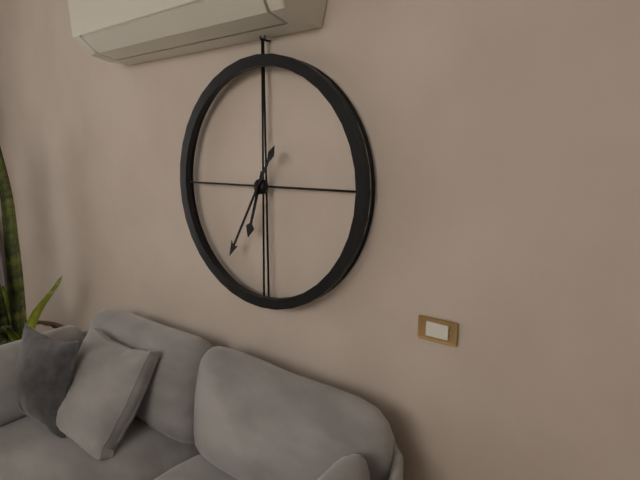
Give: 6h35
